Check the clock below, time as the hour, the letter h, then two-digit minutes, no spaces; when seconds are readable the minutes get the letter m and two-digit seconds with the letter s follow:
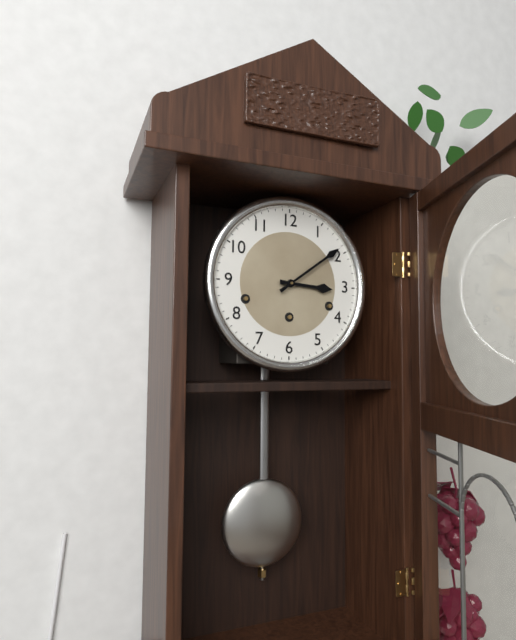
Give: 3h09
